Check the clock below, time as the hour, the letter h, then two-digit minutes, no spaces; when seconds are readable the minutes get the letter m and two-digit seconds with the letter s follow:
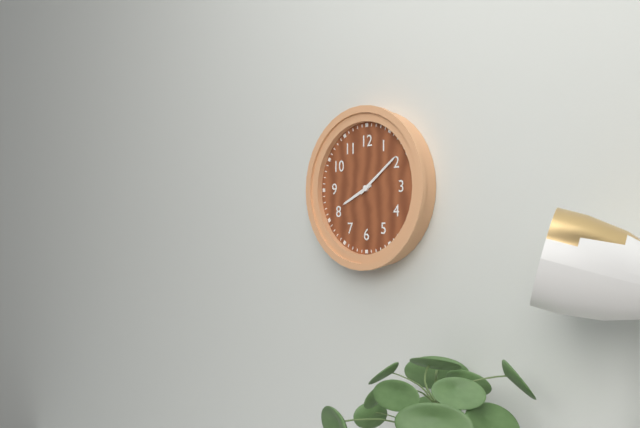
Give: 8h09
